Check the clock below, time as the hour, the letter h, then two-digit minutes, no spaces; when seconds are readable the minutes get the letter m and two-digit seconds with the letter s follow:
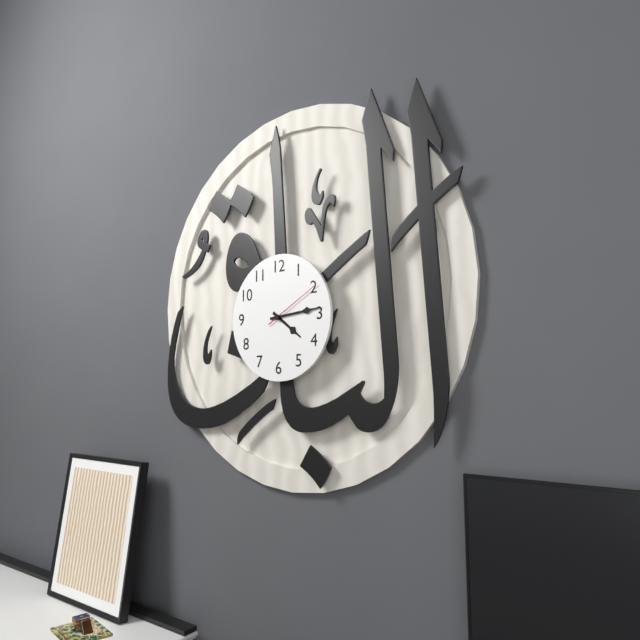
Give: 4h14m10s
